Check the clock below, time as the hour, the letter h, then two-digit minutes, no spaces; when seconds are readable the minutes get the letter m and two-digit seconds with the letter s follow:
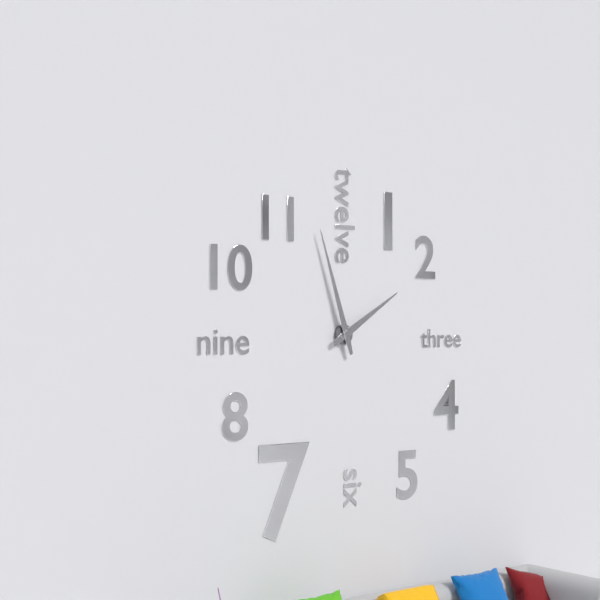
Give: 1h57
